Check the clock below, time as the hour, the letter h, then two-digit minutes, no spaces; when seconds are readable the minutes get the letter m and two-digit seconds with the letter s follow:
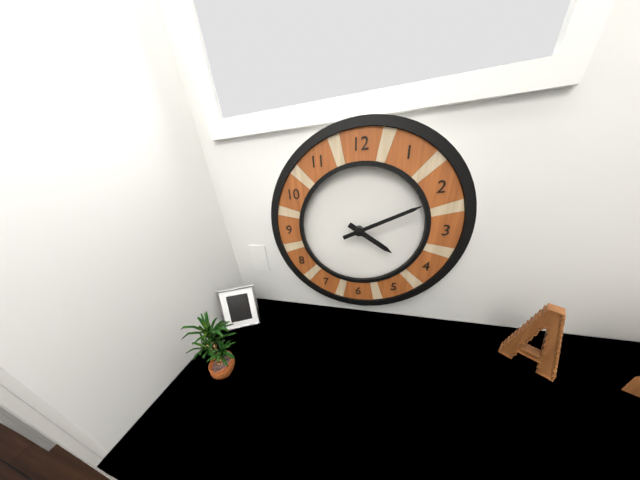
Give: 4h11
